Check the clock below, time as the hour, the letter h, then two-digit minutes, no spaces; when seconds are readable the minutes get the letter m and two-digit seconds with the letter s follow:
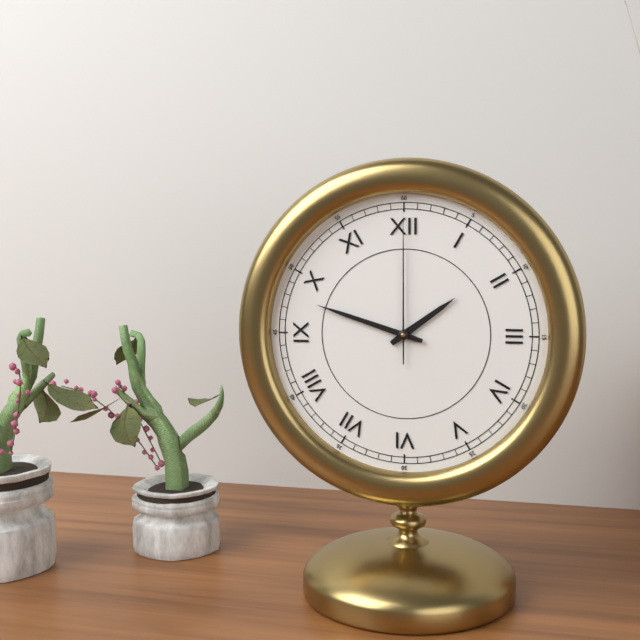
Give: 1h48m00s
